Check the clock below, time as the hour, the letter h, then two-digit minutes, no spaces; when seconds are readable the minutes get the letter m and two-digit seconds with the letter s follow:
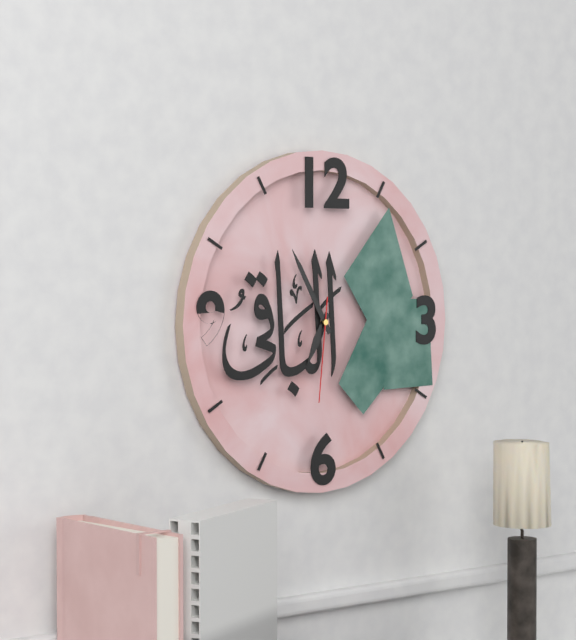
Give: 6h55m31s
